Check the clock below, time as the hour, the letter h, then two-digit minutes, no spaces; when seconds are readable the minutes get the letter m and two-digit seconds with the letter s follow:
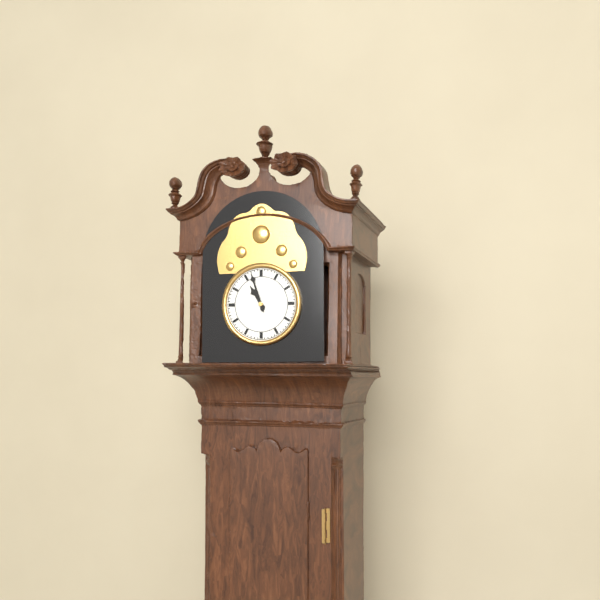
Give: 10h57
